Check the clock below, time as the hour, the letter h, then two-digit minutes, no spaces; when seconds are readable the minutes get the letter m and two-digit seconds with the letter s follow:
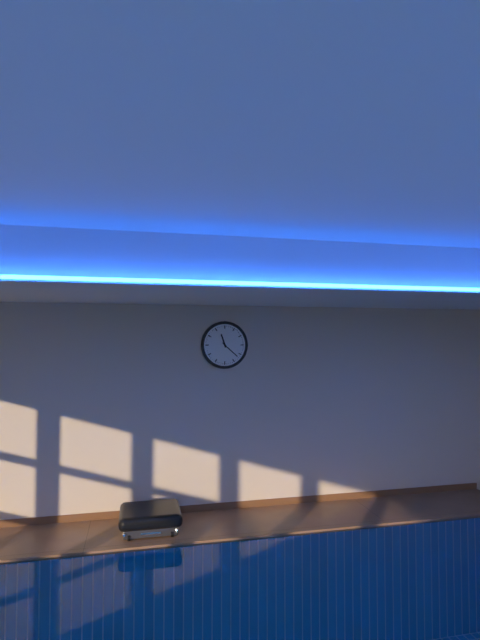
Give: 11h22
